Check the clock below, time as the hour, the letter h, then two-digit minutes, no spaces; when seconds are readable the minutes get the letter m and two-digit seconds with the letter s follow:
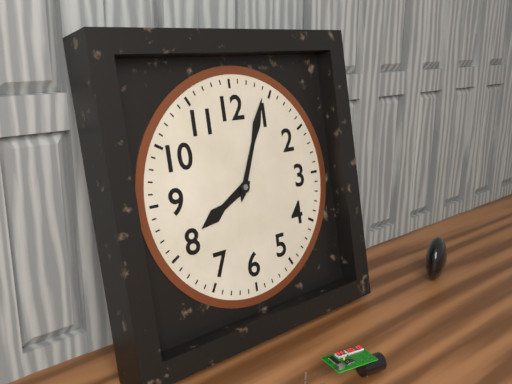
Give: 8h04
